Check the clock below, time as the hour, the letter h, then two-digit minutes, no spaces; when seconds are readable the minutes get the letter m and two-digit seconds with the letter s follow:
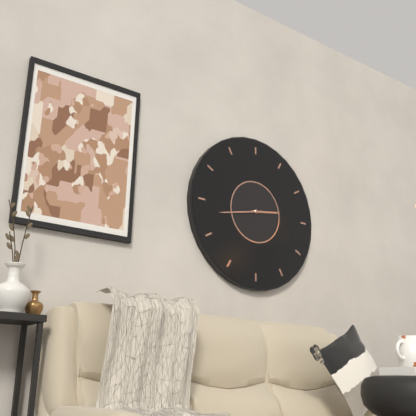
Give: 2h43
